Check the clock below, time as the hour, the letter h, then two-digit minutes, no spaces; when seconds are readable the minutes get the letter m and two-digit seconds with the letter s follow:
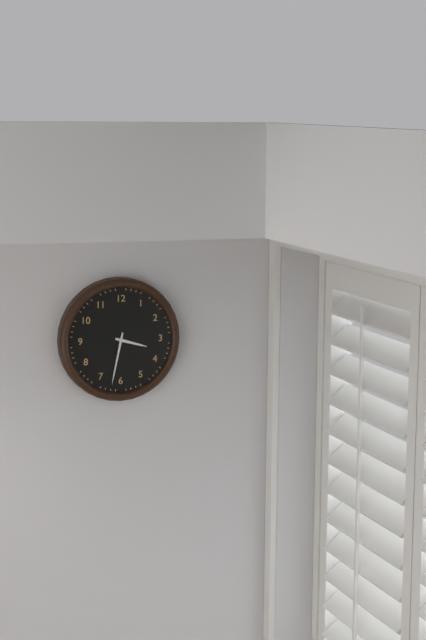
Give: 3h32
